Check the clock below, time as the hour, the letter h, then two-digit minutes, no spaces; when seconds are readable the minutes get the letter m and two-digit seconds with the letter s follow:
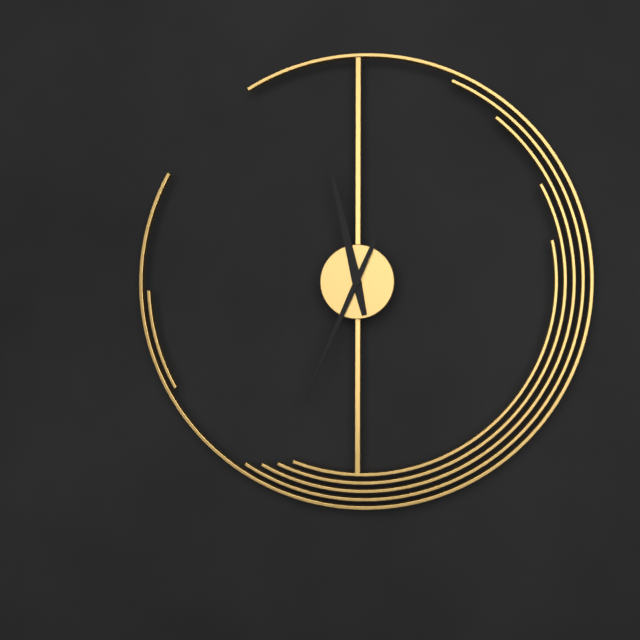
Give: 11h34
